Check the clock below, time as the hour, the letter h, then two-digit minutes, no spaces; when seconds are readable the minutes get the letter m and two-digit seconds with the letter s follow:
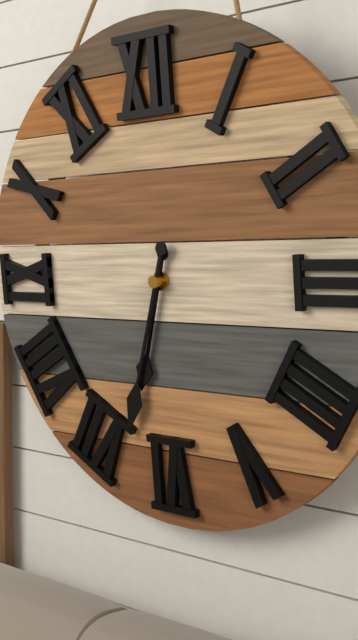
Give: 6h33
